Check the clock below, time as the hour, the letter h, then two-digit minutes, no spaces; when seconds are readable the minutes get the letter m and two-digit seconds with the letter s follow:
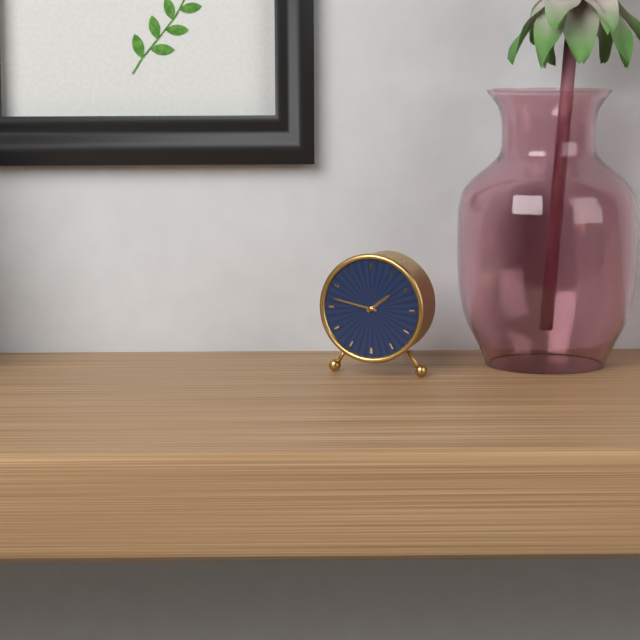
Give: 1h47
